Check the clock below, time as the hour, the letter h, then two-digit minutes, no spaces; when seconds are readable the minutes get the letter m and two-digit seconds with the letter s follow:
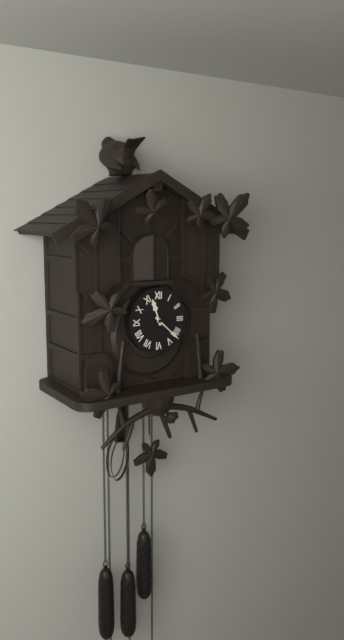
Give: 11h22
